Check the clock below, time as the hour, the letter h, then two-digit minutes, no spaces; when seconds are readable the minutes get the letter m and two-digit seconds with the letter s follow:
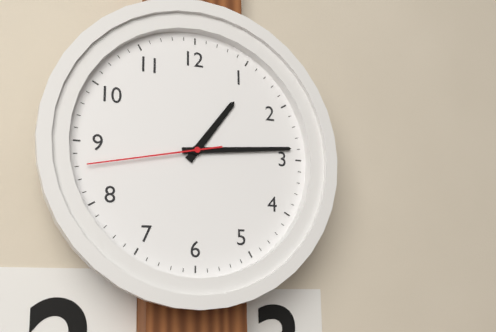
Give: 1h14m43s
